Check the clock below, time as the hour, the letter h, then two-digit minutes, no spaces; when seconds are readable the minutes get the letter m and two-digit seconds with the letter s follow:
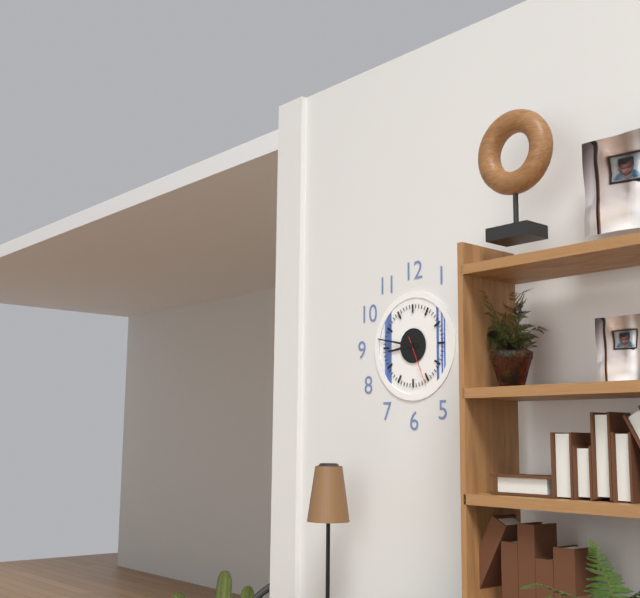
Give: 8h47m26s
